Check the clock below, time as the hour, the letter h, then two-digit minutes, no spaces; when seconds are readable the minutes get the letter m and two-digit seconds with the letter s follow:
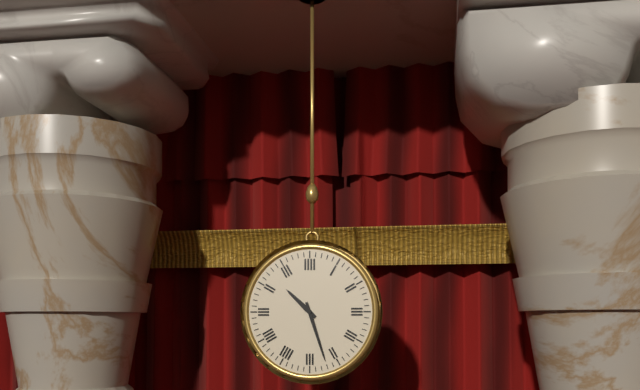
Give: 10h27
